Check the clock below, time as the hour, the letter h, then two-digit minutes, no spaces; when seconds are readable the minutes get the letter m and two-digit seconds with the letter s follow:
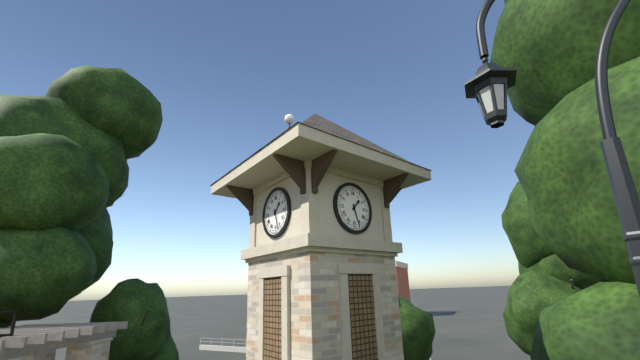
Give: 1h27
